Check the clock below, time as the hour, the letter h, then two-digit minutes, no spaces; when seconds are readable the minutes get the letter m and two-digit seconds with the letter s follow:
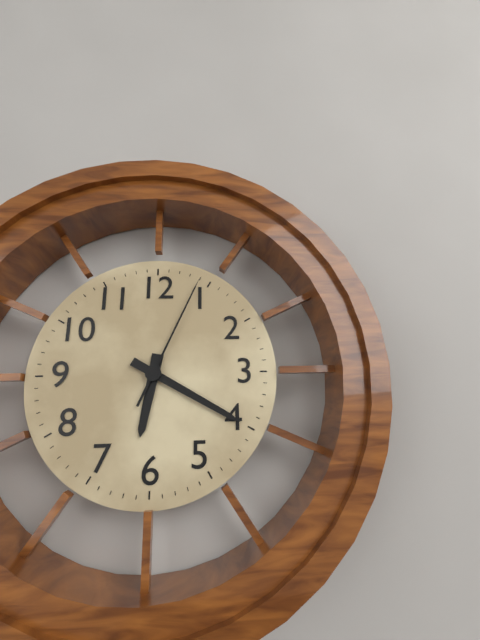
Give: 6h20m04s
